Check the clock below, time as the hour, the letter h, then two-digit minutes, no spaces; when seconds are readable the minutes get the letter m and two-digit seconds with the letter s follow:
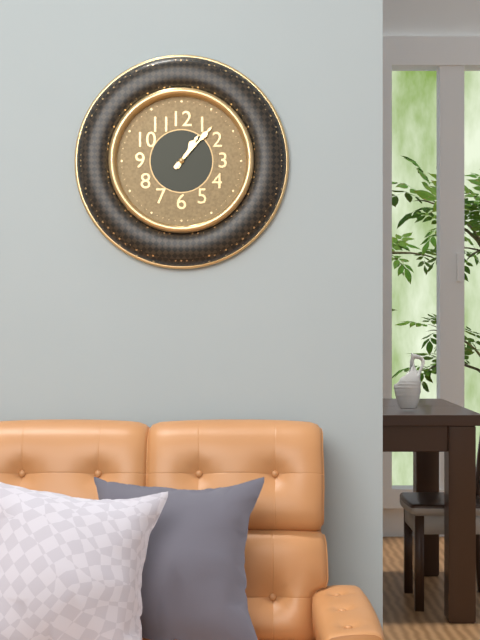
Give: 1h07
